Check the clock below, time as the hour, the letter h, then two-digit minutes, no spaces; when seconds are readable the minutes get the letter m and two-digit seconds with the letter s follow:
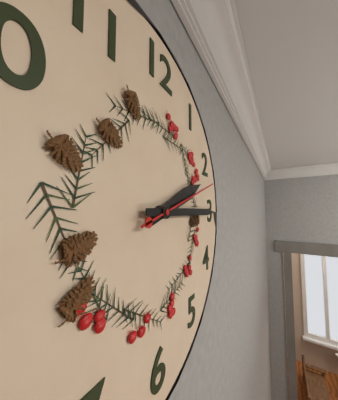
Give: 2h15m12s
